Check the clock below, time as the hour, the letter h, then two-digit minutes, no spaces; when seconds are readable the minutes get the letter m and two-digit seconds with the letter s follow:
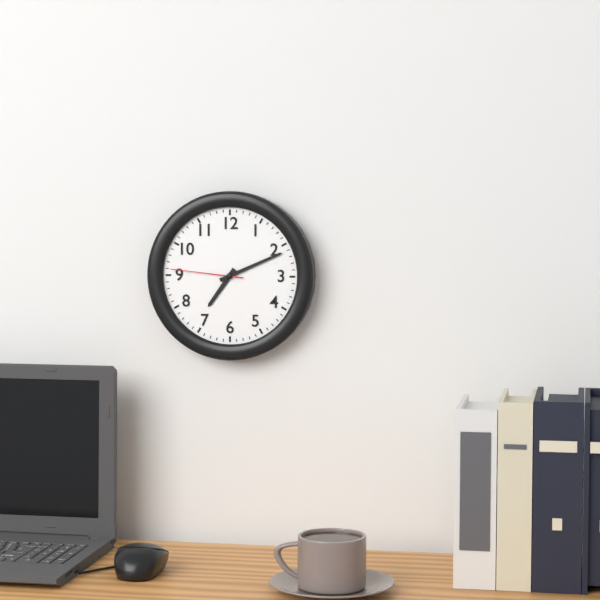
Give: 7h11m46s
